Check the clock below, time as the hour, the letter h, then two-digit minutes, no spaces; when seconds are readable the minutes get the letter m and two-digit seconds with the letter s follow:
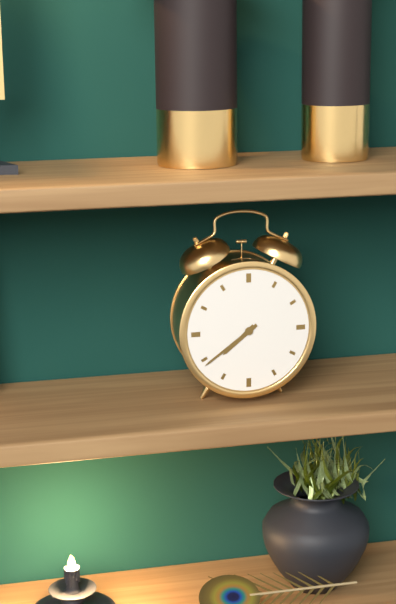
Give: 7h39
